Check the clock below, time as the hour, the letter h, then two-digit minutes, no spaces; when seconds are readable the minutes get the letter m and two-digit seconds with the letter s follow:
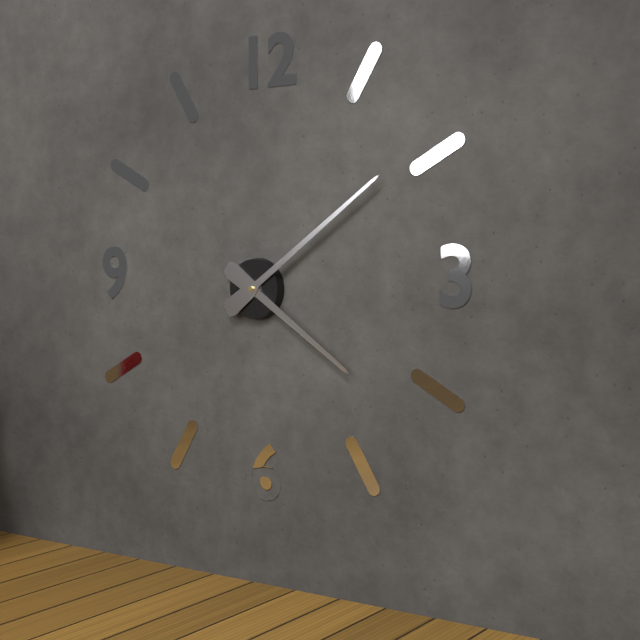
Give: 4h09
